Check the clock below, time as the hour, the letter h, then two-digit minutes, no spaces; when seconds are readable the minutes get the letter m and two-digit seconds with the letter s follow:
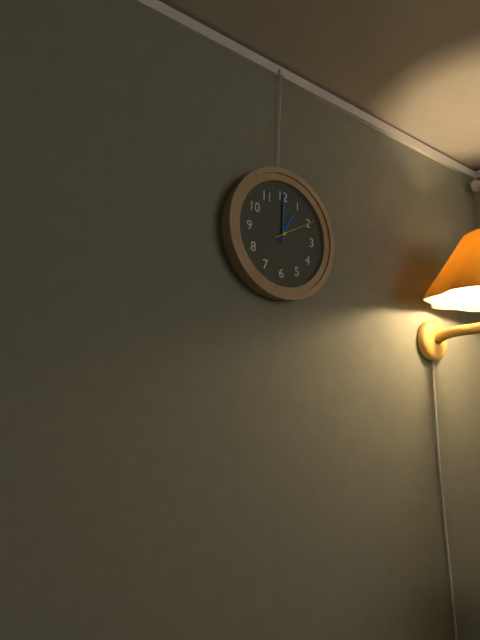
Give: 1h00
